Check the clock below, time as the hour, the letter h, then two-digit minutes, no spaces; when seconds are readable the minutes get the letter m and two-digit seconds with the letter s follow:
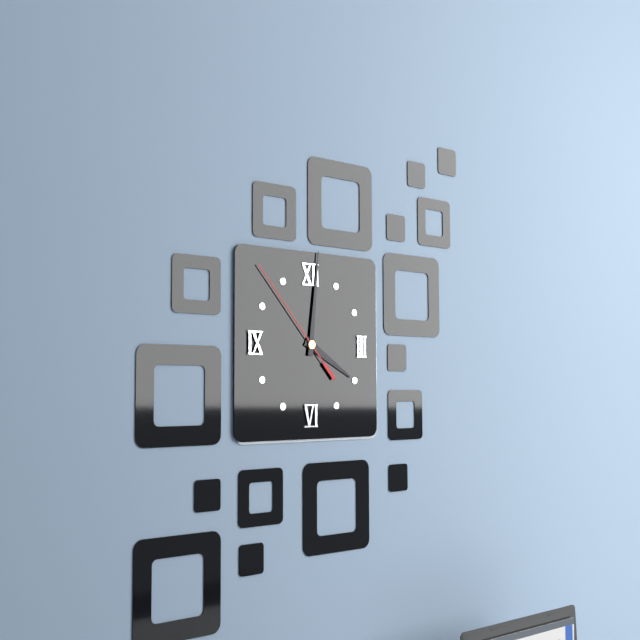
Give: 4h01m53s
